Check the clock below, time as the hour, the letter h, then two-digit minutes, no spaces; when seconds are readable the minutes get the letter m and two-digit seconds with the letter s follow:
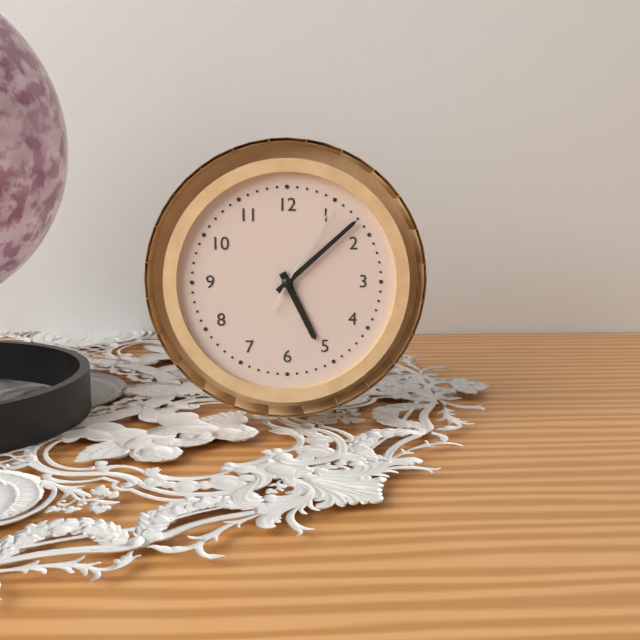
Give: 5h08m05s
